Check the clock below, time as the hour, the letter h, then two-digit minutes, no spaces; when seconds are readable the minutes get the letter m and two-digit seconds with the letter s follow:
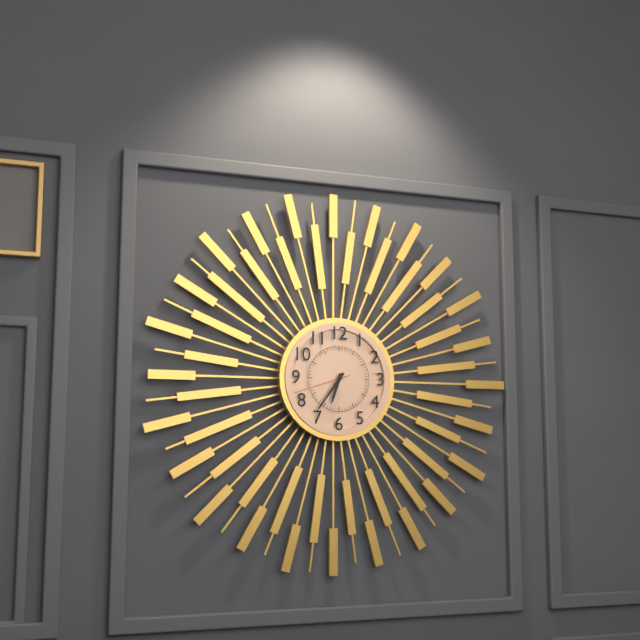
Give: 6h36m42s
